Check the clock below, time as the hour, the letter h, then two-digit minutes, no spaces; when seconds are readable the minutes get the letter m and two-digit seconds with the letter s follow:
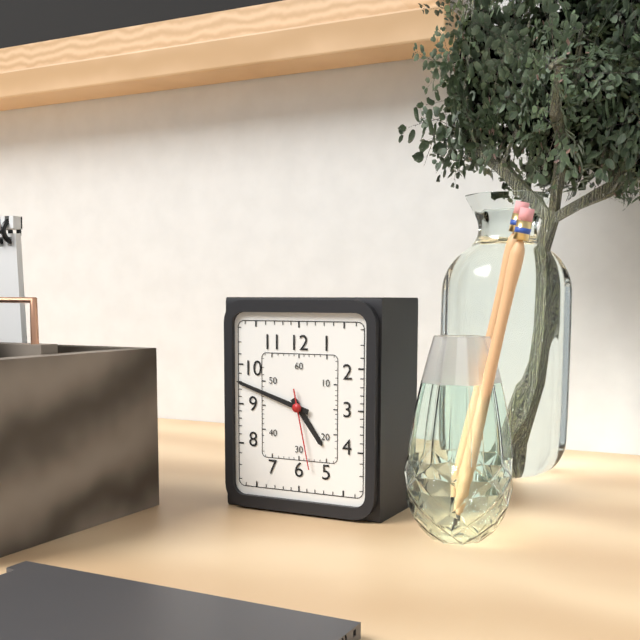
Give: 4h48m28s
